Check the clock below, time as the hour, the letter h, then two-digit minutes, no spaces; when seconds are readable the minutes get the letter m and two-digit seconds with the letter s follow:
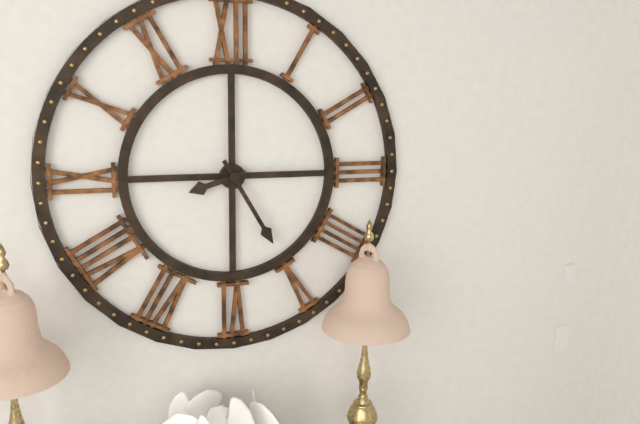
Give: 8h25
